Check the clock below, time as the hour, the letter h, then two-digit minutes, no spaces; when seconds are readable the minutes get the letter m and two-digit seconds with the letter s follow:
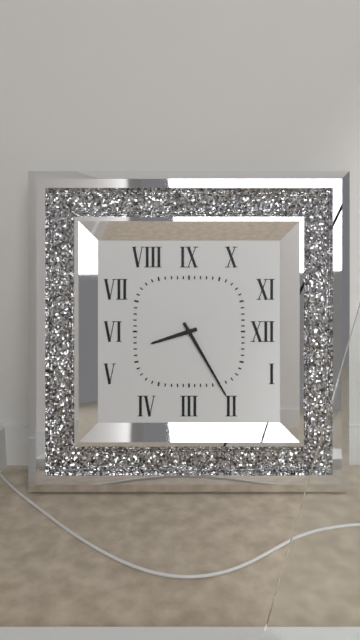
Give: 8h25
